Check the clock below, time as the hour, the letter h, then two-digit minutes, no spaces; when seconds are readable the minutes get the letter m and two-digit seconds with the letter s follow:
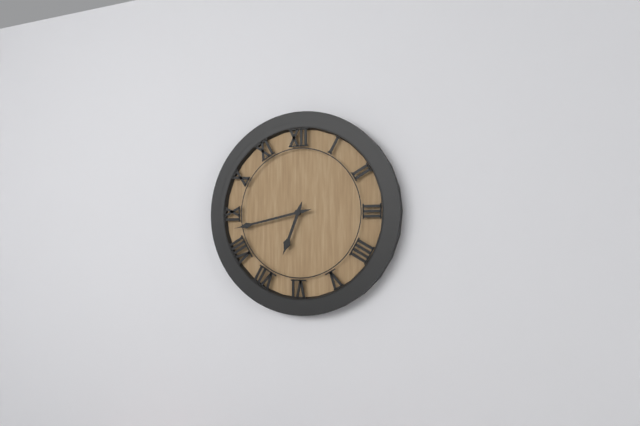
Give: 6h43
